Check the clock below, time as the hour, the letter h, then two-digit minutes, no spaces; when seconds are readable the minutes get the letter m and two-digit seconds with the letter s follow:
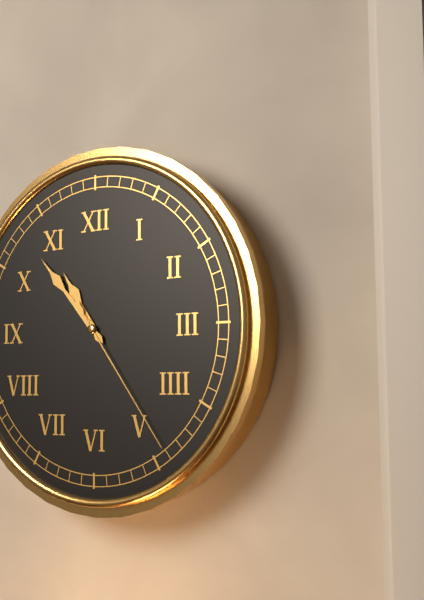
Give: 10h53m24s
